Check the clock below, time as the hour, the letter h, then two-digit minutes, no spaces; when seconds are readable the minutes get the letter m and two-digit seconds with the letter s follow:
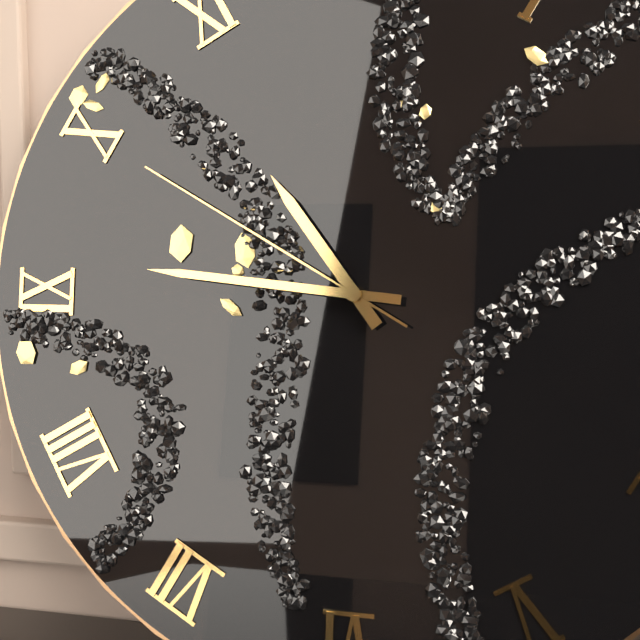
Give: 10h46m50s
